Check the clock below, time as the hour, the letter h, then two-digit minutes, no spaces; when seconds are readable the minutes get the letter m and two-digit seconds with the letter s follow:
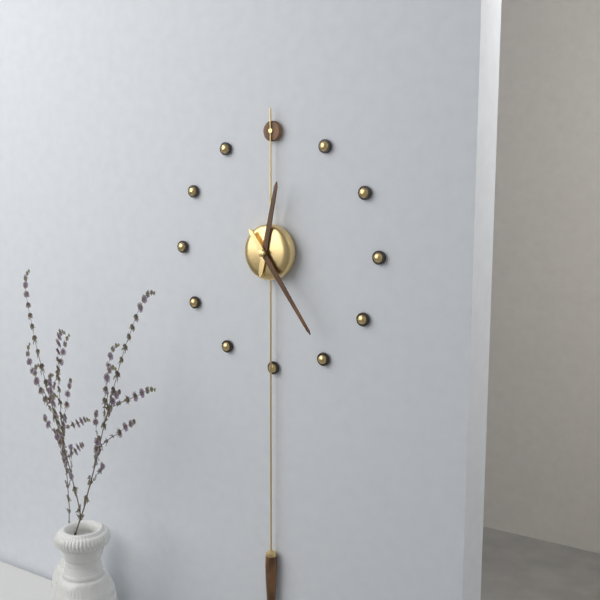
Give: 12h24
